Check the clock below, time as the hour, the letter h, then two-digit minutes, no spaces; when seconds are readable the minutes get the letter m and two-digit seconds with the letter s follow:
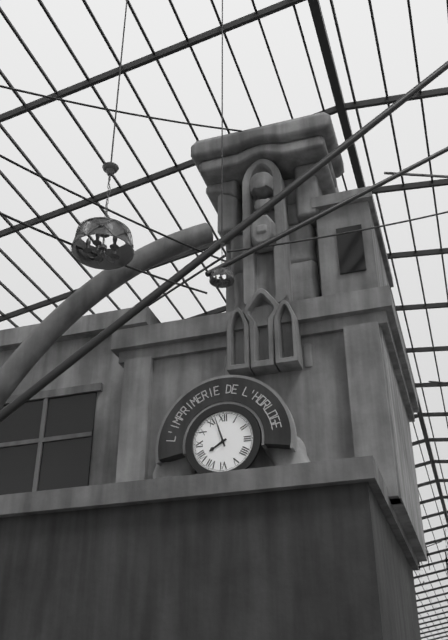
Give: 7h57
